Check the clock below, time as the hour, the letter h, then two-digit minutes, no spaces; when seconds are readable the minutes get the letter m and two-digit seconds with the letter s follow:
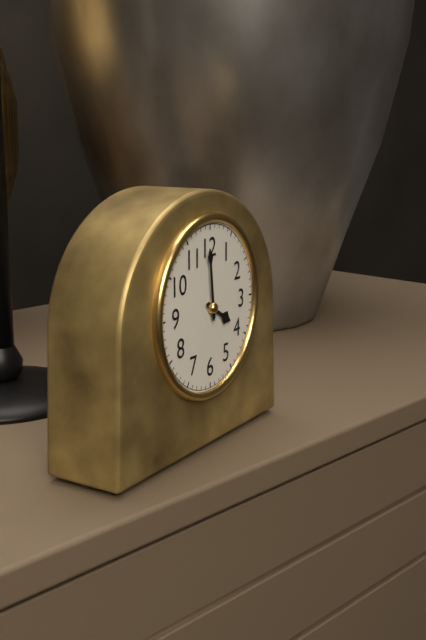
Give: 3h59
